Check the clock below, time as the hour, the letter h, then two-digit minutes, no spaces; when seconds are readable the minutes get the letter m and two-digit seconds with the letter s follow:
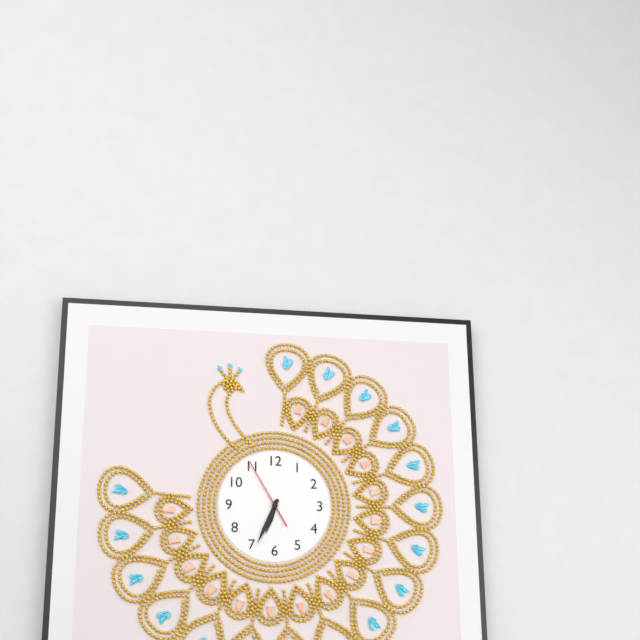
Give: 6h34m55s
